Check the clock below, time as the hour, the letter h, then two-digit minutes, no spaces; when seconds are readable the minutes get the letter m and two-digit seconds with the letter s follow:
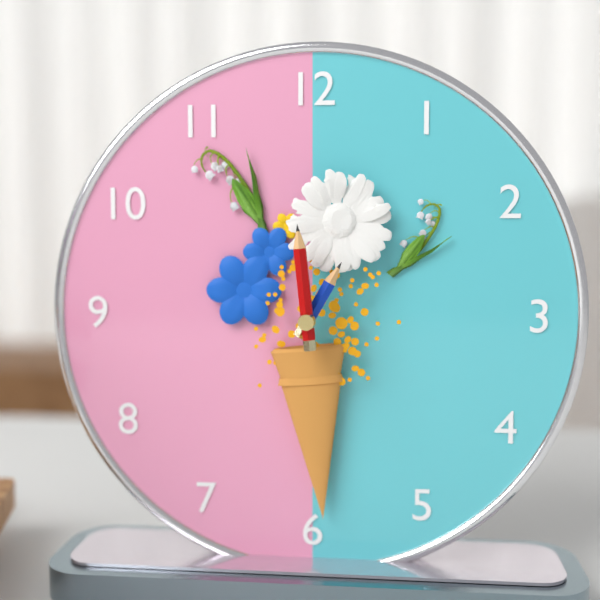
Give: 12h59
